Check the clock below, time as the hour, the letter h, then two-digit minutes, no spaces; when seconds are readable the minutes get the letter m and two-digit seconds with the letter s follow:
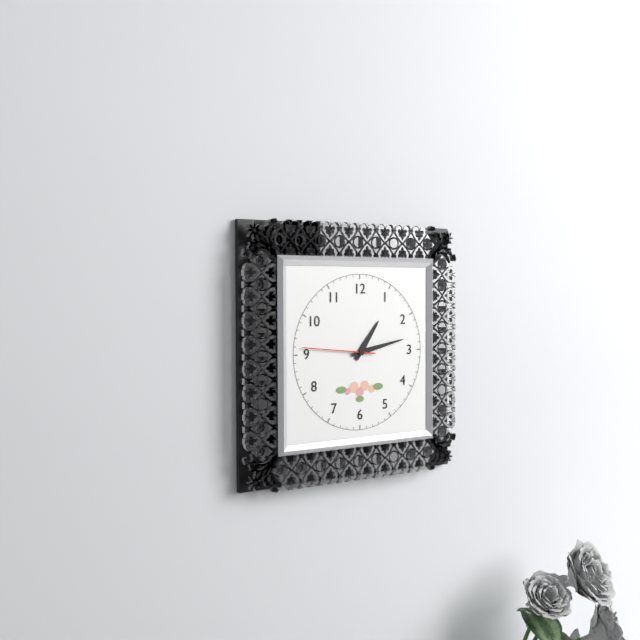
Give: 1h13m46s
